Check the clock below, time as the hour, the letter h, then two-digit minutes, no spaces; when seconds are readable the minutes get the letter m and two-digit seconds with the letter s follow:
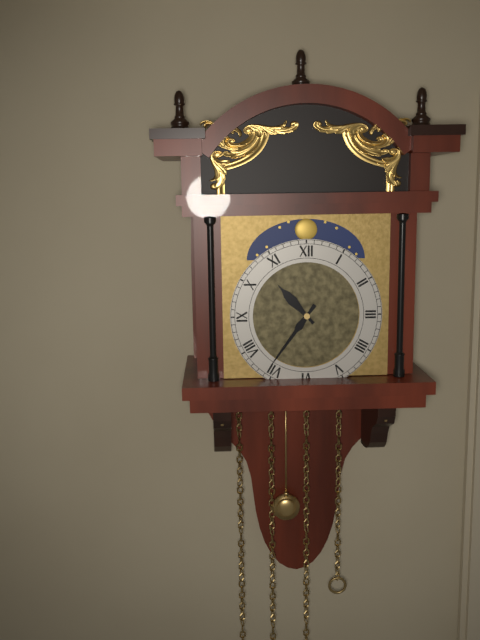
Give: 10h36
